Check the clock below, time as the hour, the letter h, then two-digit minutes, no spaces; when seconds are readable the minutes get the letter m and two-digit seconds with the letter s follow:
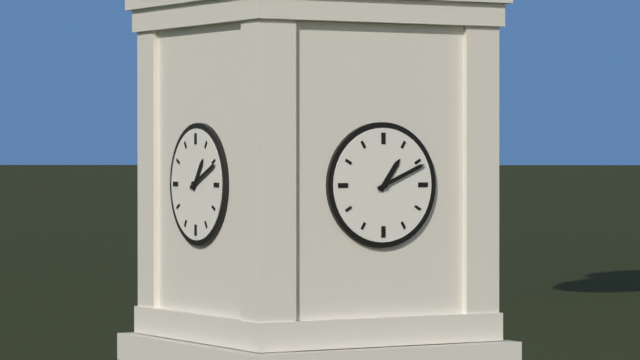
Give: 1h11
